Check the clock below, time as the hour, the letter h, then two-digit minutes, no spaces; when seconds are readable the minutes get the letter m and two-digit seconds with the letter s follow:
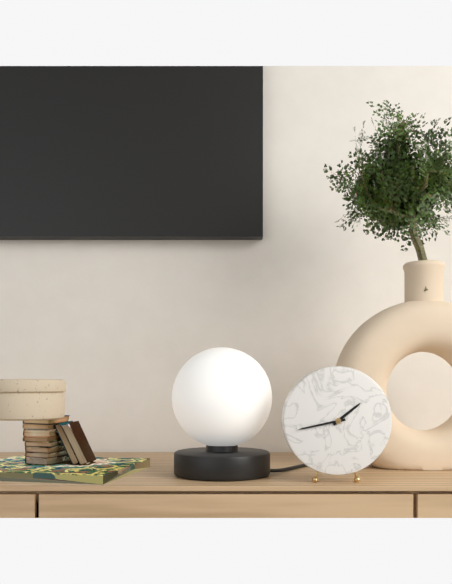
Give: 1h43
